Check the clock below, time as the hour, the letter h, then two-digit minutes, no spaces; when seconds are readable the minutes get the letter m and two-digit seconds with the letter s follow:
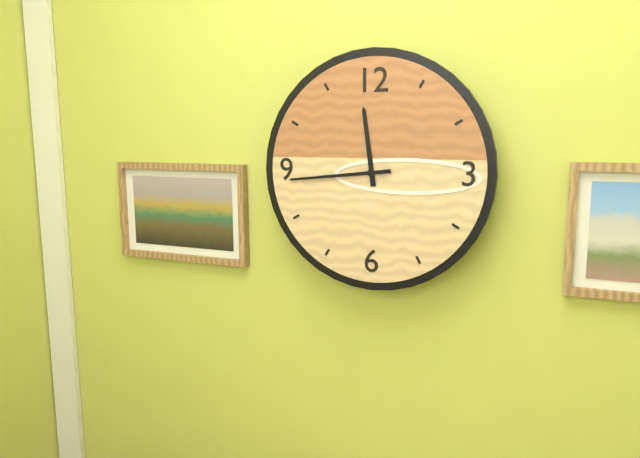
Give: 11h44
